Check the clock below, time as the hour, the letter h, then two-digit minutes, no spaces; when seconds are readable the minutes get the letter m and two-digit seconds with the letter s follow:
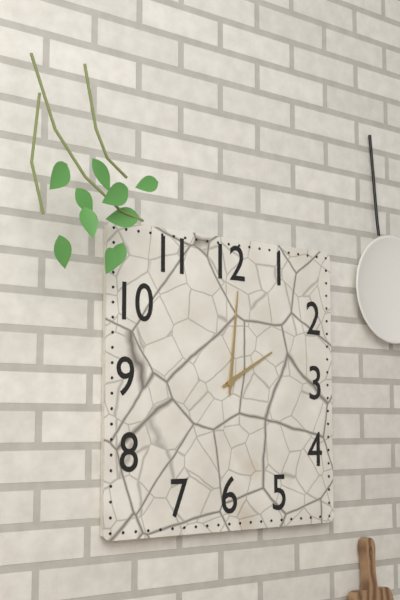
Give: 2h01
